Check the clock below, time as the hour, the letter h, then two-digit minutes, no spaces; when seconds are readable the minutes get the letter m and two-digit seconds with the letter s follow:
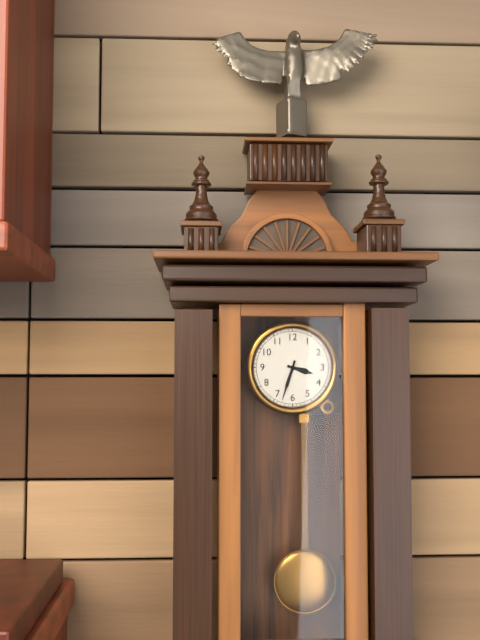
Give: 3h33
